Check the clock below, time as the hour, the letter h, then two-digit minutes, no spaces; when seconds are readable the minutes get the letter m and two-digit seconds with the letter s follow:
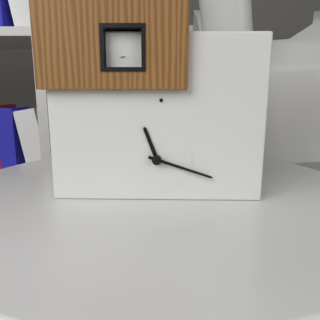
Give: 11h18
